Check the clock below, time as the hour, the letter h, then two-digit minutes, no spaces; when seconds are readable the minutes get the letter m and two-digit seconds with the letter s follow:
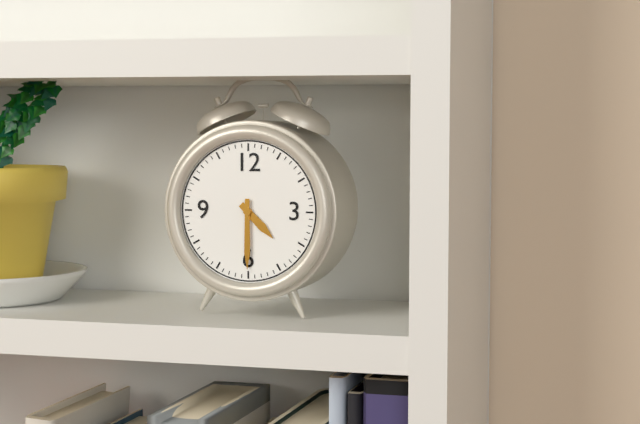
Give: 4h30
